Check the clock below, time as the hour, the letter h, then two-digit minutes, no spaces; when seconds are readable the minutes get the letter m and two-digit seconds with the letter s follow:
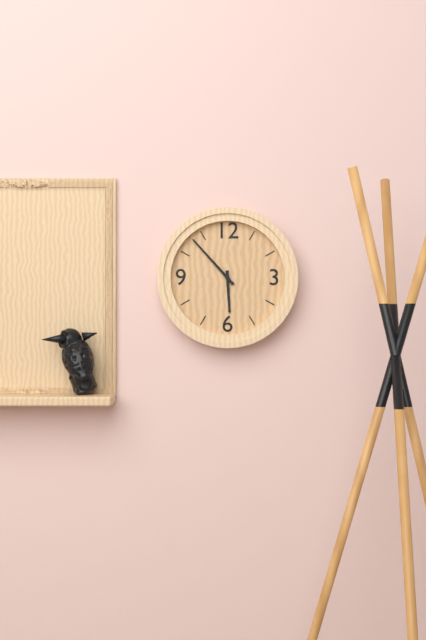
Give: 5h53
